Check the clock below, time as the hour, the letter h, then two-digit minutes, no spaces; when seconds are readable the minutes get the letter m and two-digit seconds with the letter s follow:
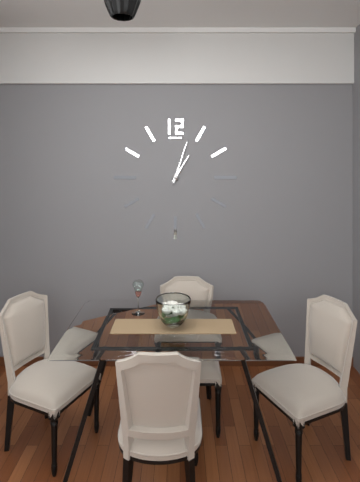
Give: 1h03
